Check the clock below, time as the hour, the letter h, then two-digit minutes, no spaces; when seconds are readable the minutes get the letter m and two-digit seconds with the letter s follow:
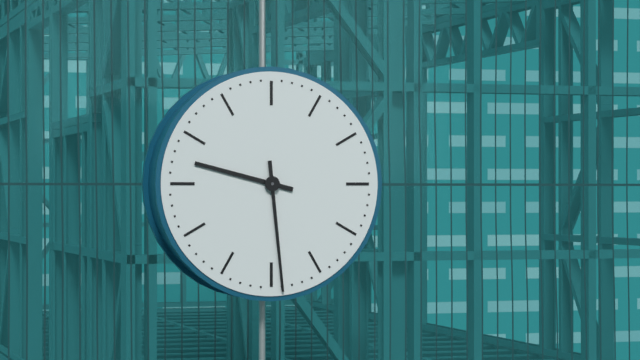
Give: 9h29
